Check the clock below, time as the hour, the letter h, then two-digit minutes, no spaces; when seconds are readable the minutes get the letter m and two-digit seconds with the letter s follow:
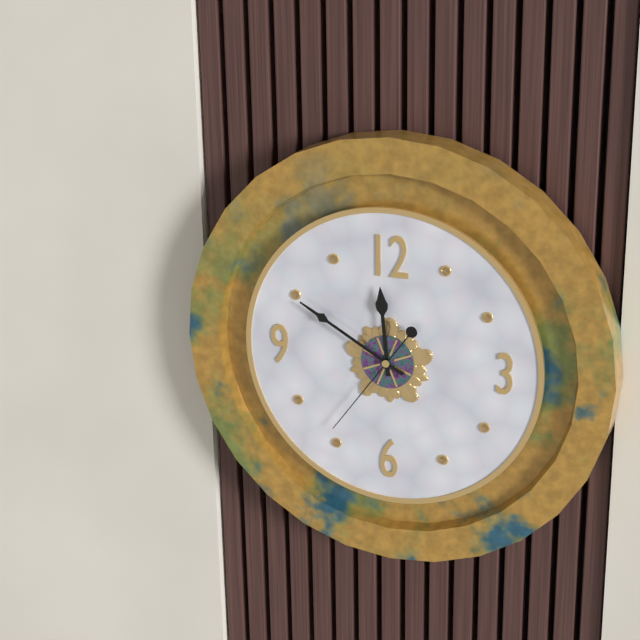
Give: 11h50m36s
